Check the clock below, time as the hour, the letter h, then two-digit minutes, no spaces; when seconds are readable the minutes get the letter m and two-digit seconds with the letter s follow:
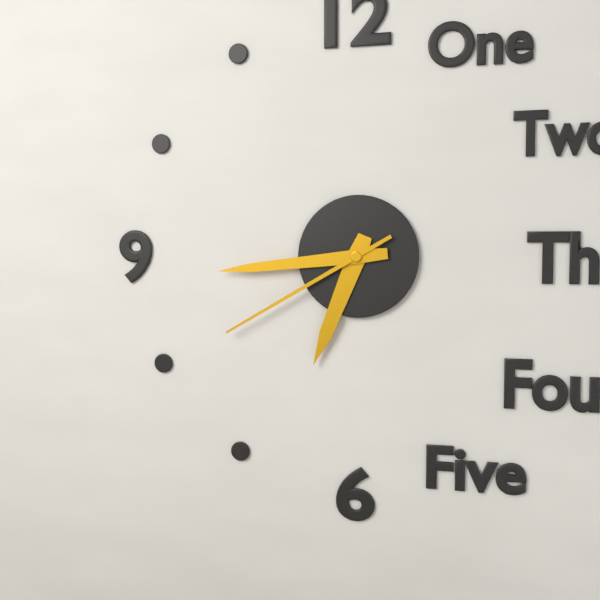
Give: 6h44m40s
